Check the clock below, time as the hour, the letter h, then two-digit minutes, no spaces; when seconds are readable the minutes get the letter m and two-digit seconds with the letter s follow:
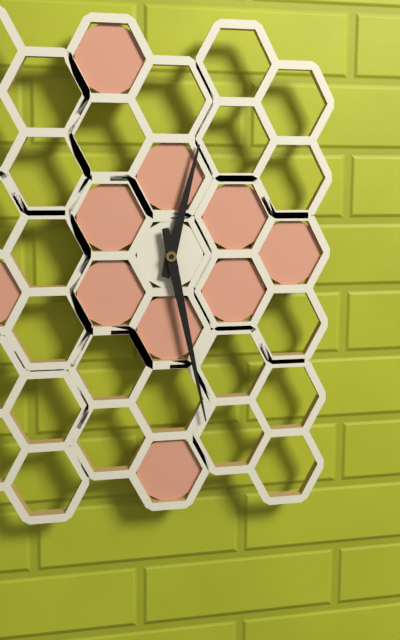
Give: 12h28
